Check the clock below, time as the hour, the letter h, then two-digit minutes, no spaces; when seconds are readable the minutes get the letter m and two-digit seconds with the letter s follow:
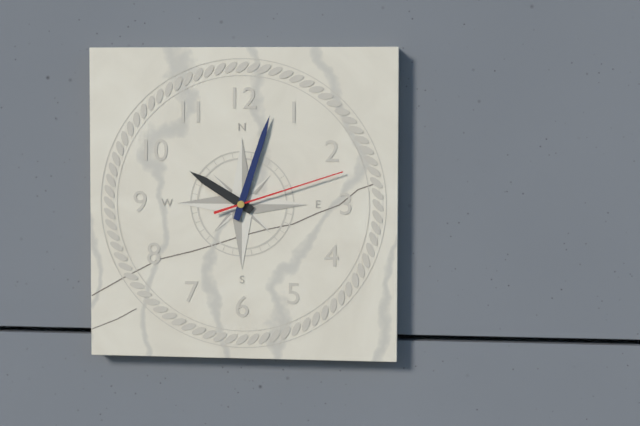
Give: 10h03m12s
